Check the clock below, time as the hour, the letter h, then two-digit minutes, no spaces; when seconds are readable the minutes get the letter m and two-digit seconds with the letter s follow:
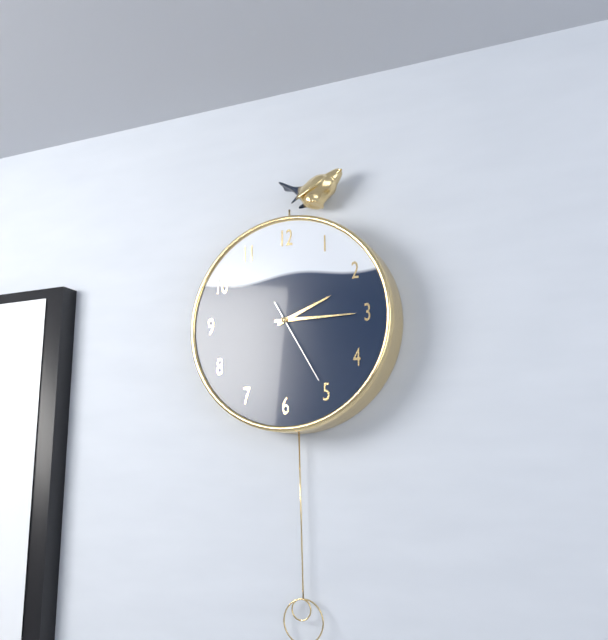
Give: 2h15m25s
